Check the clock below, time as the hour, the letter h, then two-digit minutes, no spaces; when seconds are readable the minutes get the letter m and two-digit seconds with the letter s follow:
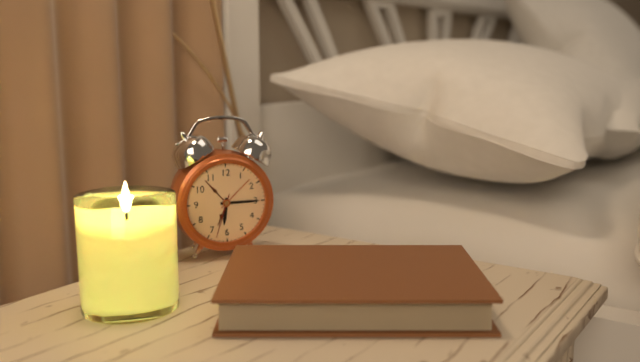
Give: 6h15
